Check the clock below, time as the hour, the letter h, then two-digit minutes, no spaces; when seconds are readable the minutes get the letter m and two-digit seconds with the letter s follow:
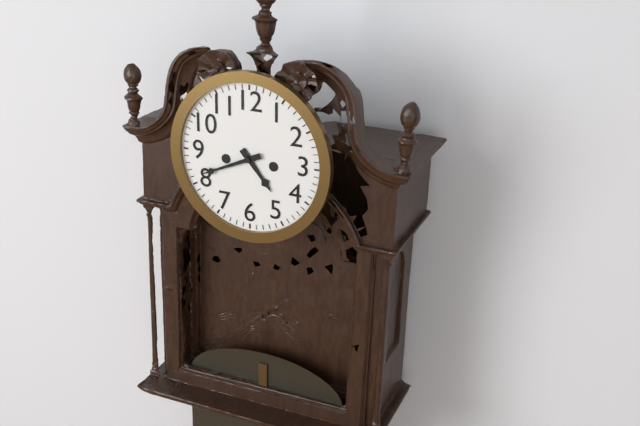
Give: 4h41
